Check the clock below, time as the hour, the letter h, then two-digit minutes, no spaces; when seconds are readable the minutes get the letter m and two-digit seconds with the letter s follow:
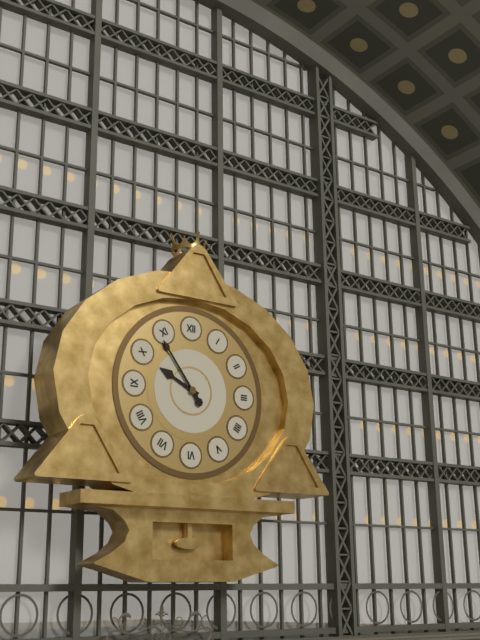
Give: 9h54
